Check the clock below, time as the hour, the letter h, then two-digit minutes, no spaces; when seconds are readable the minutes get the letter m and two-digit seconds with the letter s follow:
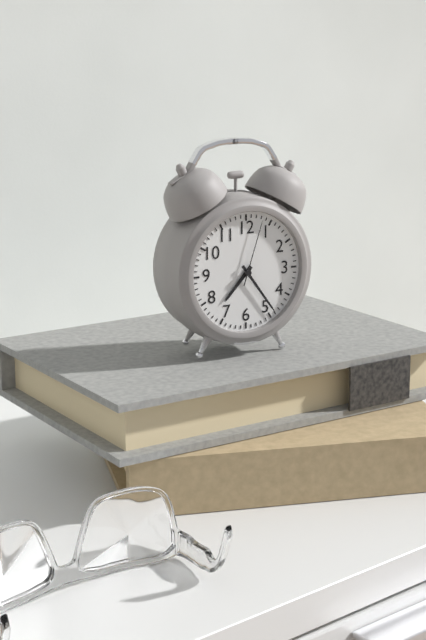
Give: 7h24m03s
